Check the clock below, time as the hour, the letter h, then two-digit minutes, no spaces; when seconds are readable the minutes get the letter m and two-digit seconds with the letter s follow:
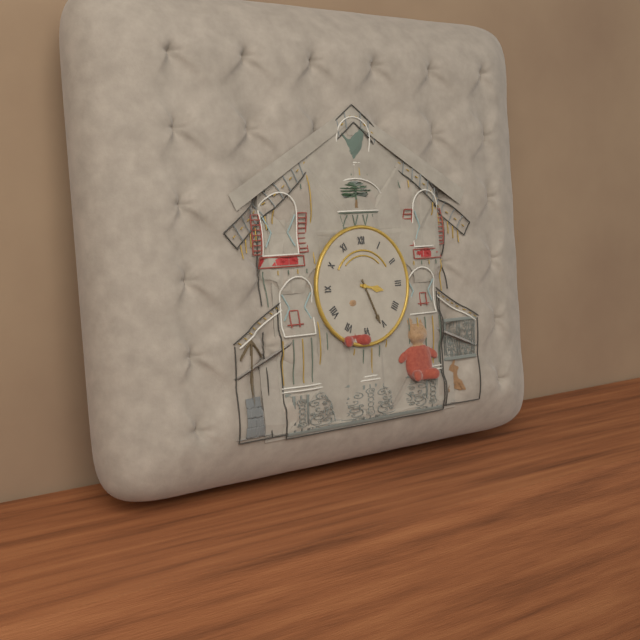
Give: 3h26
